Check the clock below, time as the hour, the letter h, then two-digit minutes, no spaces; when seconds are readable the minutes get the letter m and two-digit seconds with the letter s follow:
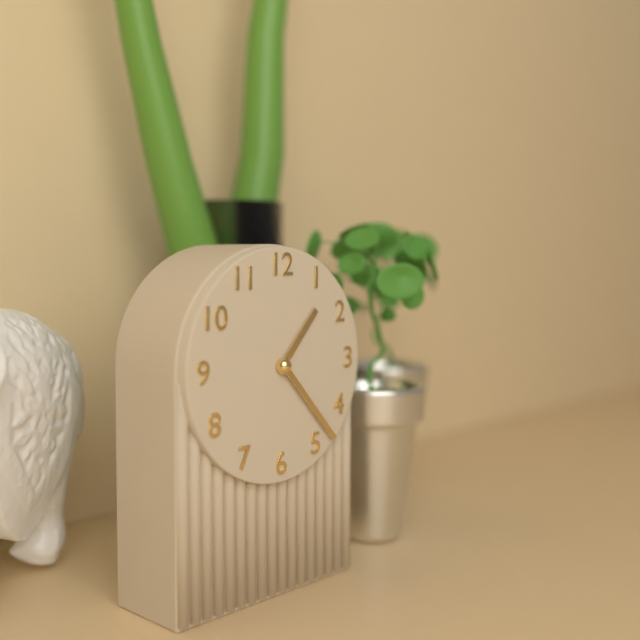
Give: 1h23
